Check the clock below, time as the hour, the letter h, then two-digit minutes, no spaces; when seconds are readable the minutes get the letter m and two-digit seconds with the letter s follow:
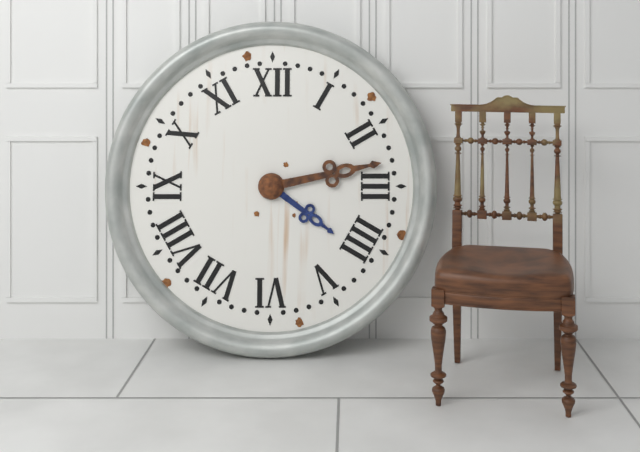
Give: 4h13
